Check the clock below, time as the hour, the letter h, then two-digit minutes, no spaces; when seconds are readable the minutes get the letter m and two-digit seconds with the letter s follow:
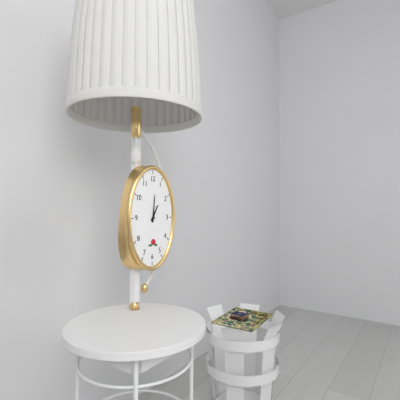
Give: 1h01
